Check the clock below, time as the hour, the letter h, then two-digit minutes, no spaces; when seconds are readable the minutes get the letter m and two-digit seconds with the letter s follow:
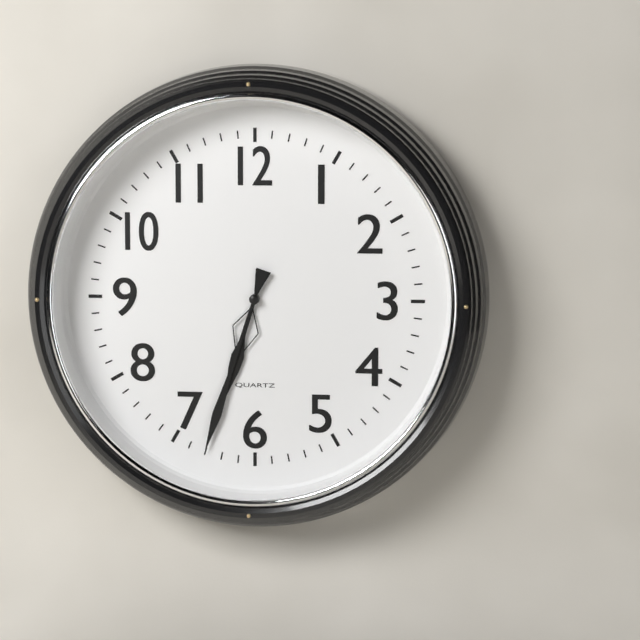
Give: 6h33
